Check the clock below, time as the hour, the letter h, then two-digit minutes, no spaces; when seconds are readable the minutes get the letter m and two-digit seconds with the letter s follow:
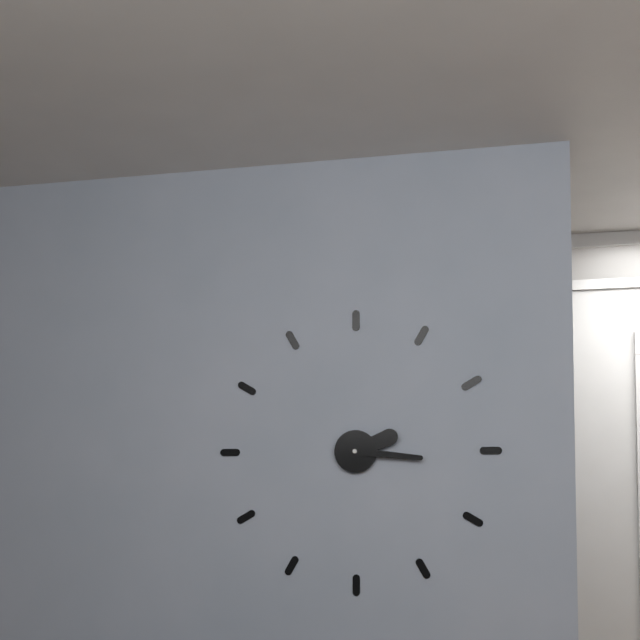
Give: 2h16
